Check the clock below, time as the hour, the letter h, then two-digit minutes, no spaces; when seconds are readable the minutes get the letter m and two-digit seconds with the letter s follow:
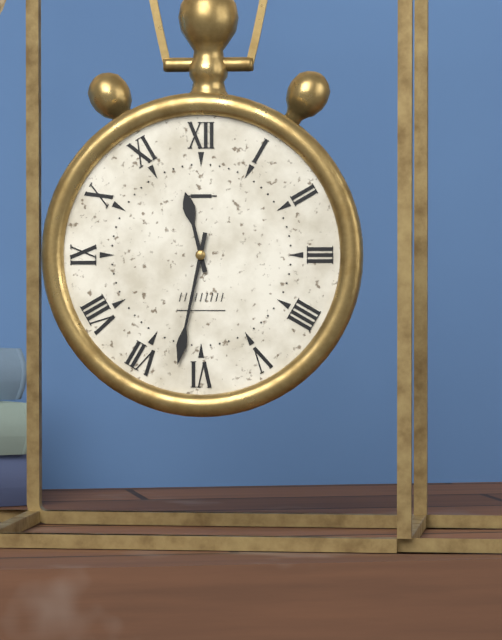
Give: 11h32
